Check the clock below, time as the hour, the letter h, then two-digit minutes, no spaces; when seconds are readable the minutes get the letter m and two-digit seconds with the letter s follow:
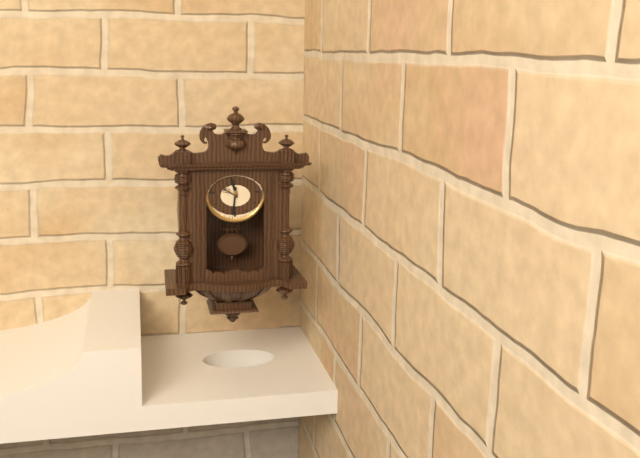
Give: 11h31
